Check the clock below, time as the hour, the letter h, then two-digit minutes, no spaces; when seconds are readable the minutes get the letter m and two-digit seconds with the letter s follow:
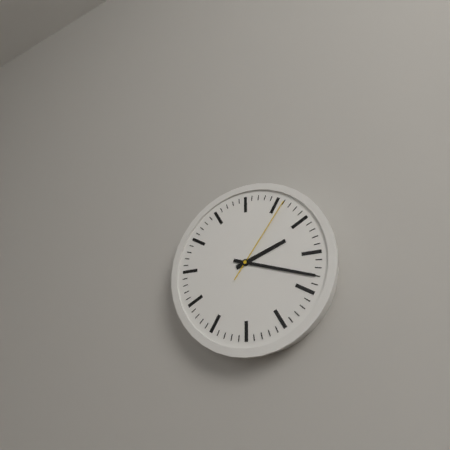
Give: 2h18m06s
